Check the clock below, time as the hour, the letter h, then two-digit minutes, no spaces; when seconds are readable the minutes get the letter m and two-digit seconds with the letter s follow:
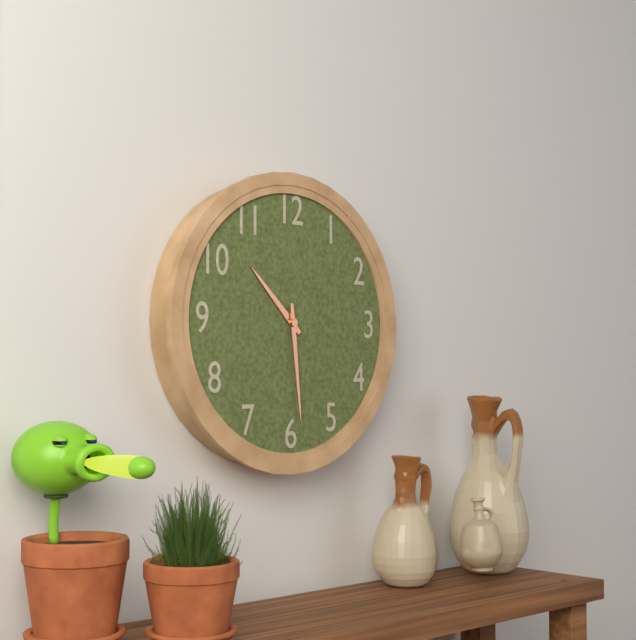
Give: 10h29
